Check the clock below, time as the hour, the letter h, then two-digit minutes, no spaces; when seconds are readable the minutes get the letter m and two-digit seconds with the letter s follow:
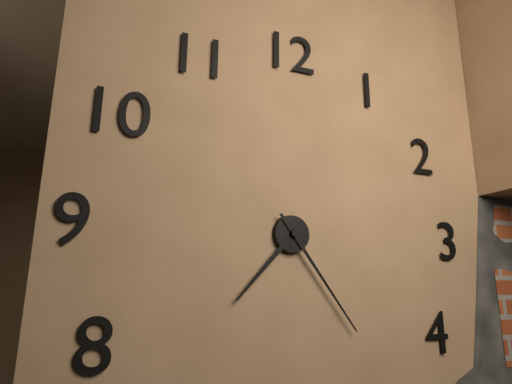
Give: 7h24
